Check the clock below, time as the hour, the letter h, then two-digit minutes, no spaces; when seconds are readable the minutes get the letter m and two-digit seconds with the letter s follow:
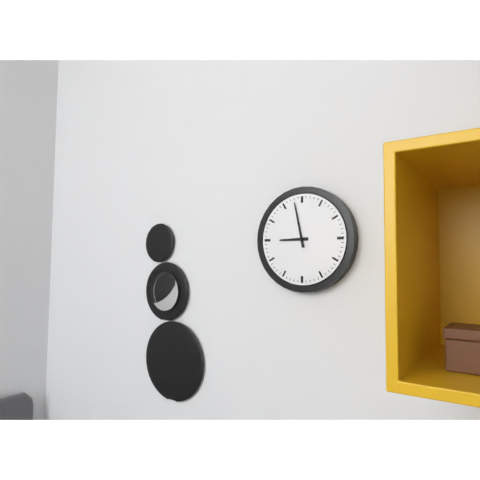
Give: 8h58
